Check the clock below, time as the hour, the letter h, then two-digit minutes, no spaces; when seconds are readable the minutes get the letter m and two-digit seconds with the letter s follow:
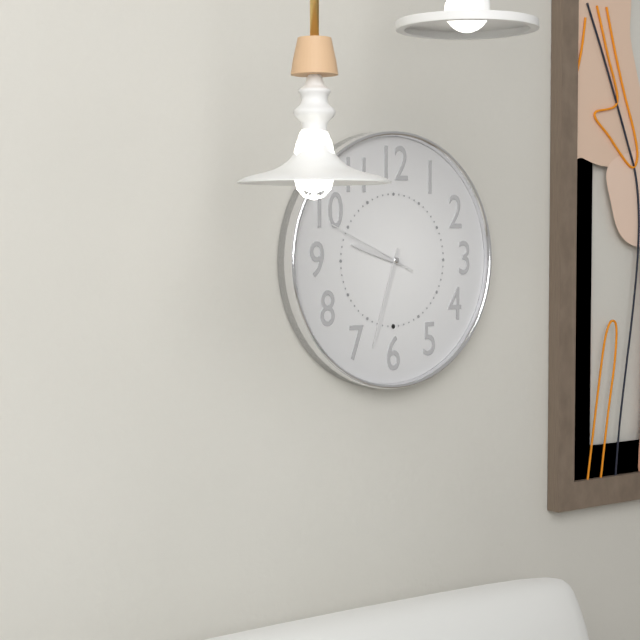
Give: 9h33m49s
